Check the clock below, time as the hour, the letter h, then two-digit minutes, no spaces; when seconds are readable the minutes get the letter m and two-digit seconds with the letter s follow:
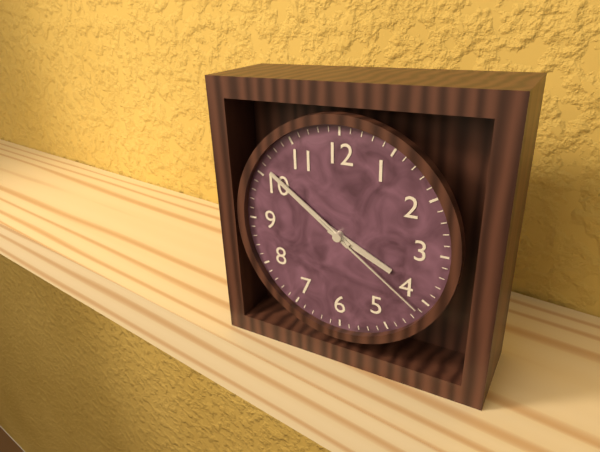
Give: 3h51m21s
